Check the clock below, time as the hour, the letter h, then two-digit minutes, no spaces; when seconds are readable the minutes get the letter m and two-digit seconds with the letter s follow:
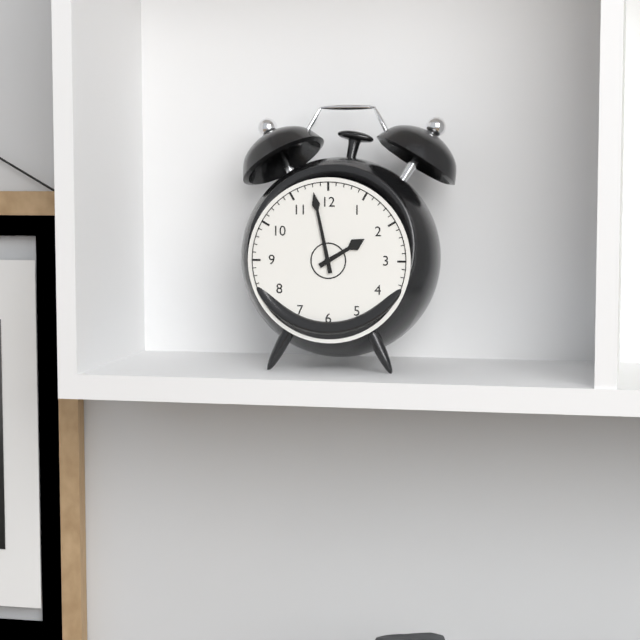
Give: 1h58
